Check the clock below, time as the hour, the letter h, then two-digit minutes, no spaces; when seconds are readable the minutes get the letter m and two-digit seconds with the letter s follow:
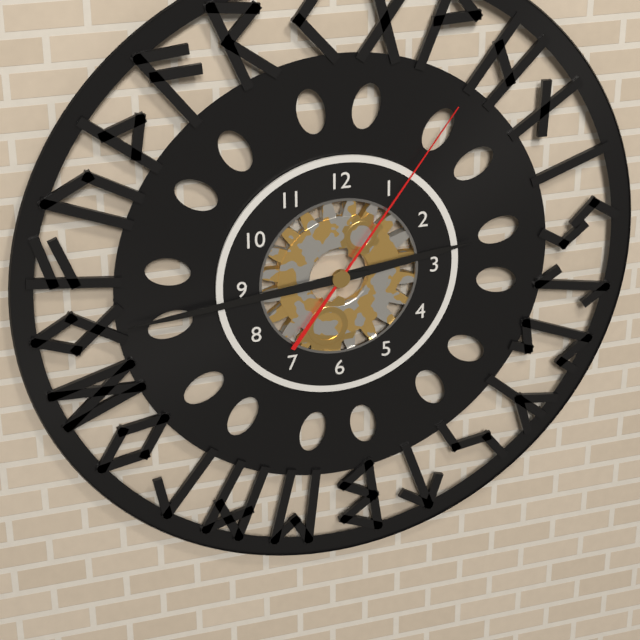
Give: 2h44m06s
